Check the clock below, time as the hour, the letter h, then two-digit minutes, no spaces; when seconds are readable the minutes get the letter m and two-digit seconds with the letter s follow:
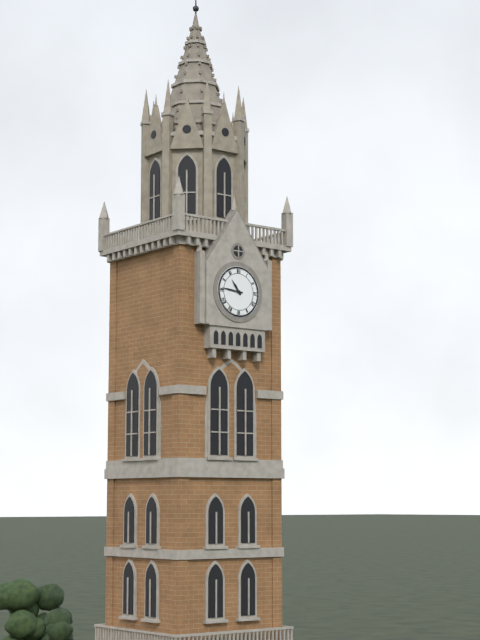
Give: 10h46
